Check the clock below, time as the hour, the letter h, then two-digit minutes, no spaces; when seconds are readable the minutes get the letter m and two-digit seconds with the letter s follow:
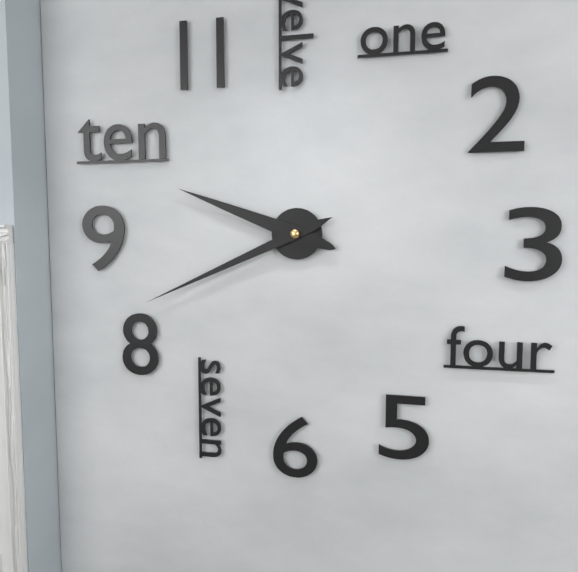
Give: 9h41
